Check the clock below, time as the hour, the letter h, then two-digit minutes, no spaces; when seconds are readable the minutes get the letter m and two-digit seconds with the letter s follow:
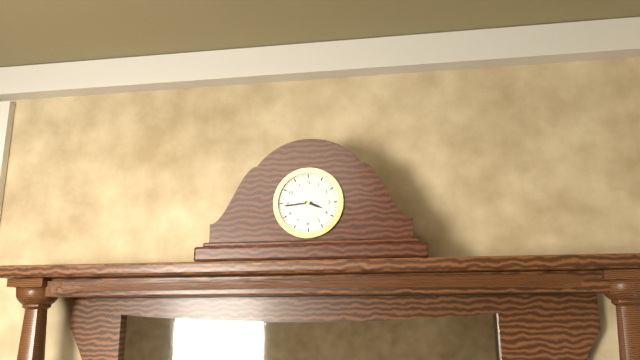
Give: 3h44
